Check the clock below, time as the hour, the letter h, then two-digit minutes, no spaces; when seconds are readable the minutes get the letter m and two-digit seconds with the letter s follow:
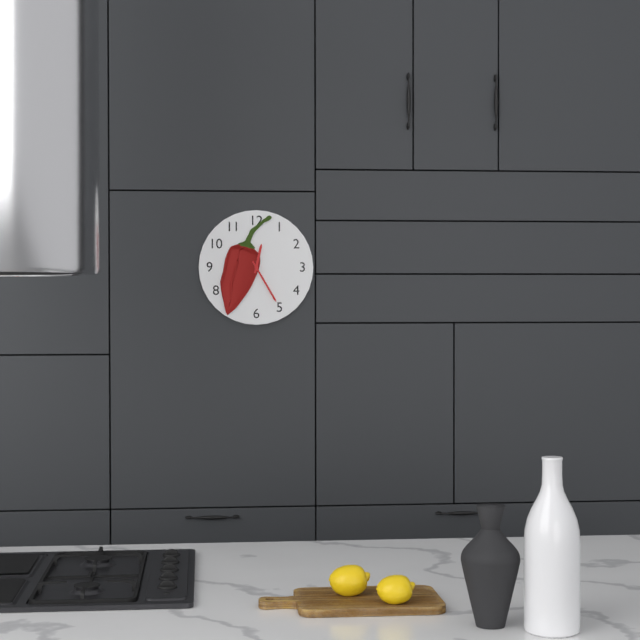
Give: 12h25
